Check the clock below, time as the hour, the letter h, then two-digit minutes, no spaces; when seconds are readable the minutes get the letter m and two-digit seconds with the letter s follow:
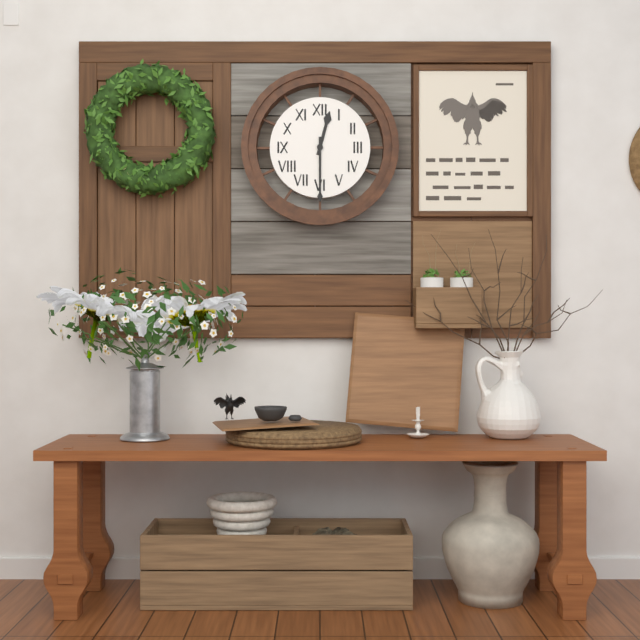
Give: 12h30
